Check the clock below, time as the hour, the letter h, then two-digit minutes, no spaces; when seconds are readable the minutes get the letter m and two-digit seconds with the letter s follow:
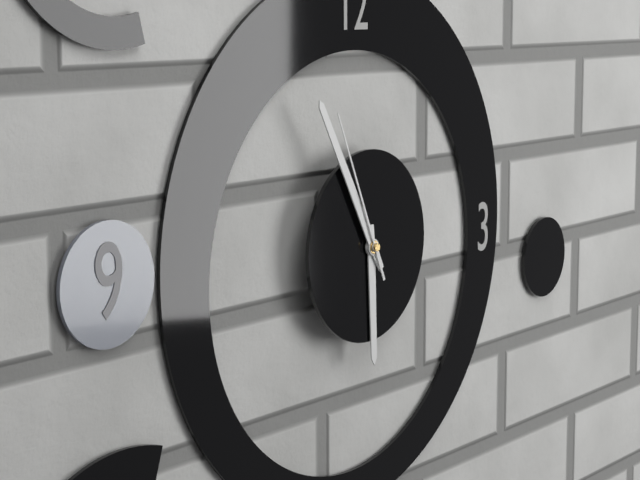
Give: 5h55m56s
